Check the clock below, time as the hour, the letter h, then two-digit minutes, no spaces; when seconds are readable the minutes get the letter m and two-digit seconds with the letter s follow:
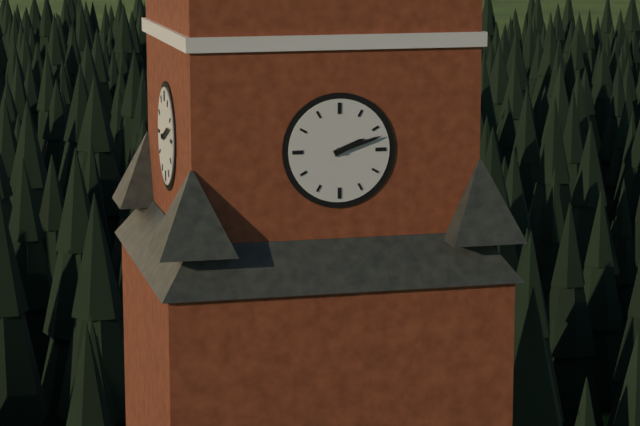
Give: 2h12
